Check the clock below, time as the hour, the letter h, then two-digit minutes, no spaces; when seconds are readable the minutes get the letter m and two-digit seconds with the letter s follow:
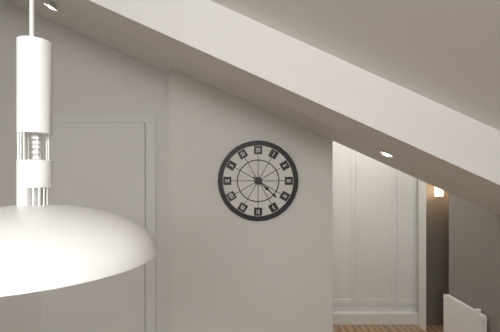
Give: 4h22
